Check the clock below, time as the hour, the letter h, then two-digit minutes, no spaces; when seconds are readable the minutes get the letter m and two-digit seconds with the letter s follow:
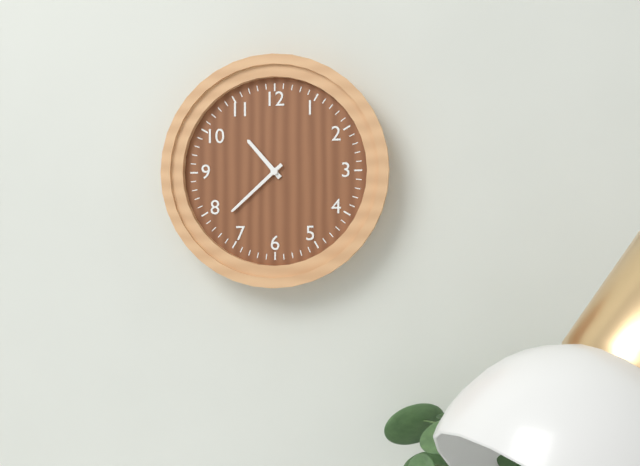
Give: 10h38
